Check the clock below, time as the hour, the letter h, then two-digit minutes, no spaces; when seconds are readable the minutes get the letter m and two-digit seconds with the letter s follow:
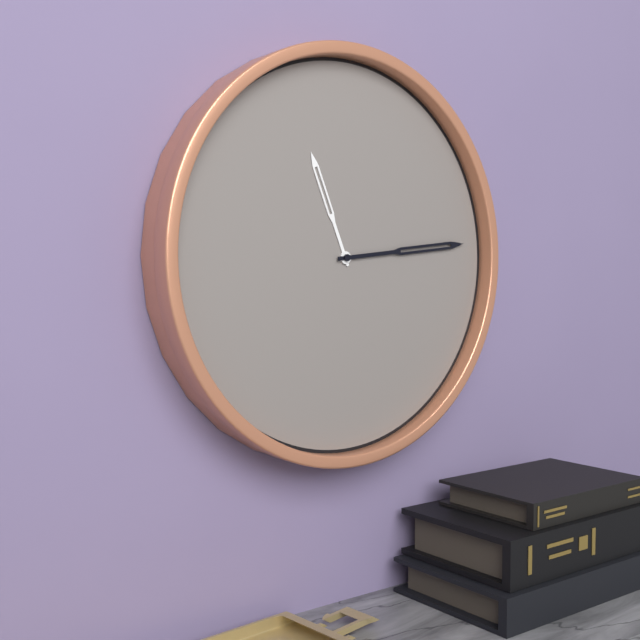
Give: 11h14
